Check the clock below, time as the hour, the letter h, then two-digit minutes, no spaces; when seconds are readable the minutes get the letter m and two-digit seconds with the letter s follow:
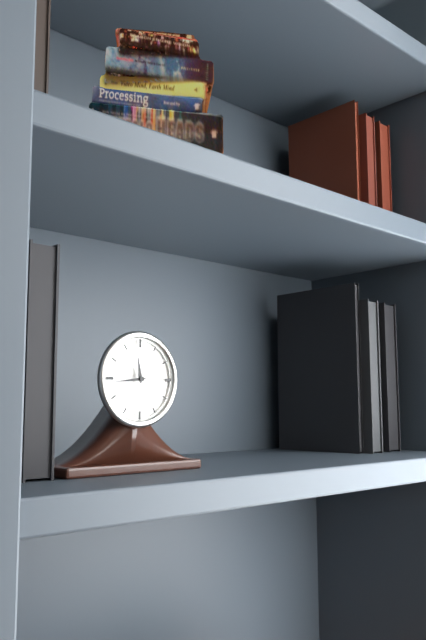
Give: 11h44
